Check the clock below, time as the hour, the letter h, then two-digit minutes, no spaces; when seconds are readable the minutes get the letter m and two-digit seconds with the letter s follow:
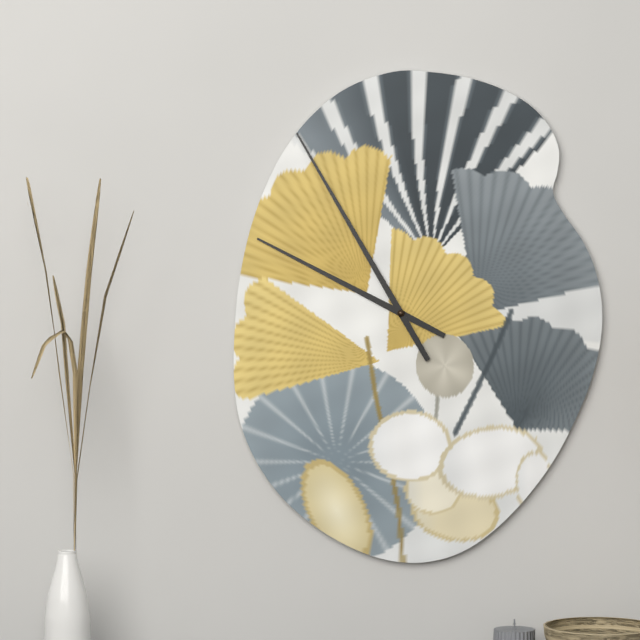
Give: 9h55
